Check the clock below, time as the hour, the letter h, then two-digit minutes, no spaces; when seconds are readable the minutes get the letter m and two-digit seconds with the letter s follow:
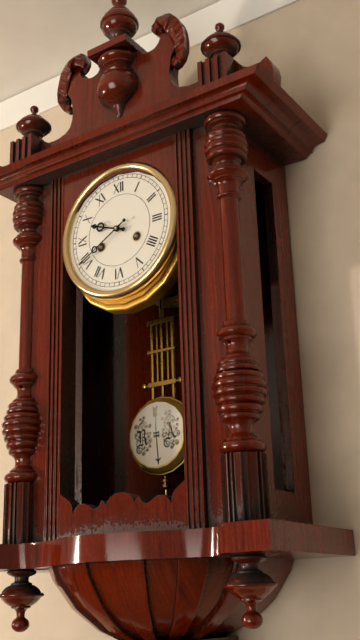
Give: 9h40
